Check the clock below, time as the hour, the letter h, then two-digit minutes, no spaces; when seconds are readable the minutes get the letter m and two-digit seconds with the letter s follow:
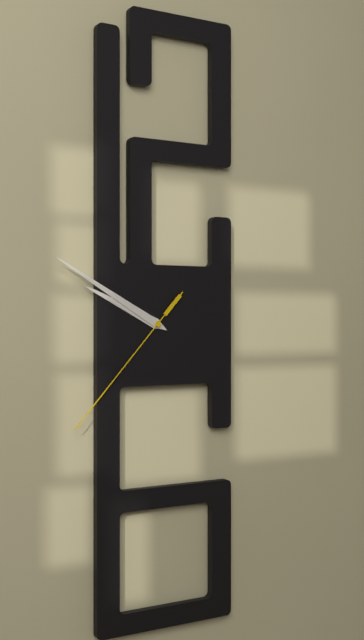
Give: 9h50m37s
